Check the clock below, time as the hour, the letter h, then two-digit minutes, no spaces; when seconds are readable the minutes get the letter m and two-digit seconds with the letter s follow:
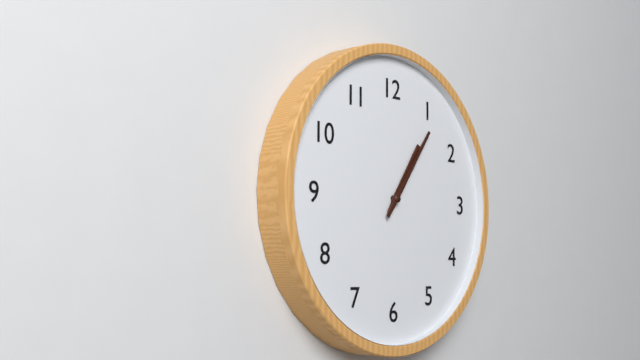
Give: 1h06
